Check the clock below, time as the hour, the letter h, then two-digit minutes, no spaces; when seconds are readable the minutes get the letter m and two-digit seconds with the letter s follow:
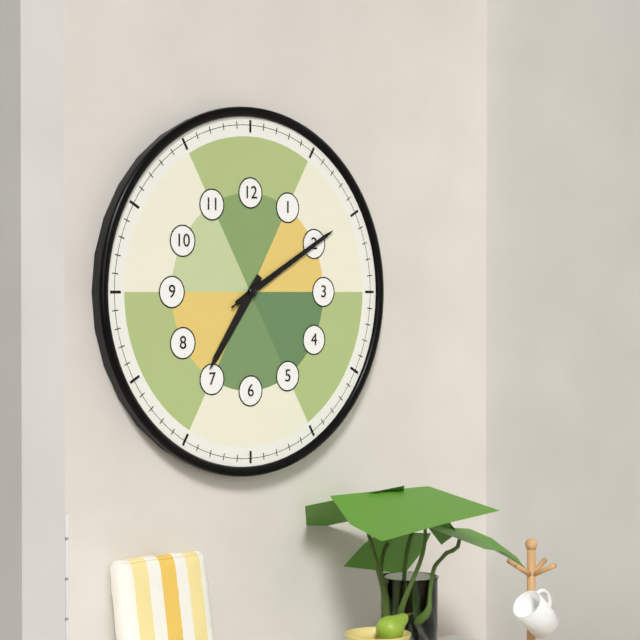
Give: 7h10m10s
